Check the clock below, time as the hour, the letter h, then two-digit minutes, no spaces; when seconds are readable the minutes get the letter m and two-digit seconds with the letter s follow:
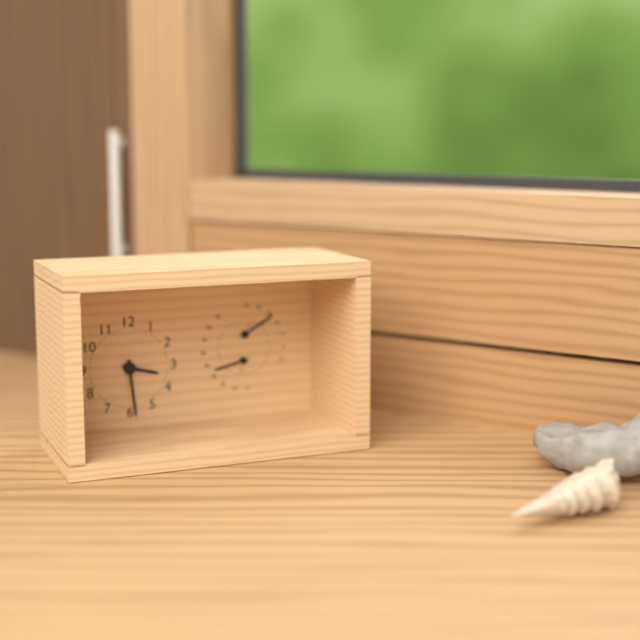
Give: 3h29
